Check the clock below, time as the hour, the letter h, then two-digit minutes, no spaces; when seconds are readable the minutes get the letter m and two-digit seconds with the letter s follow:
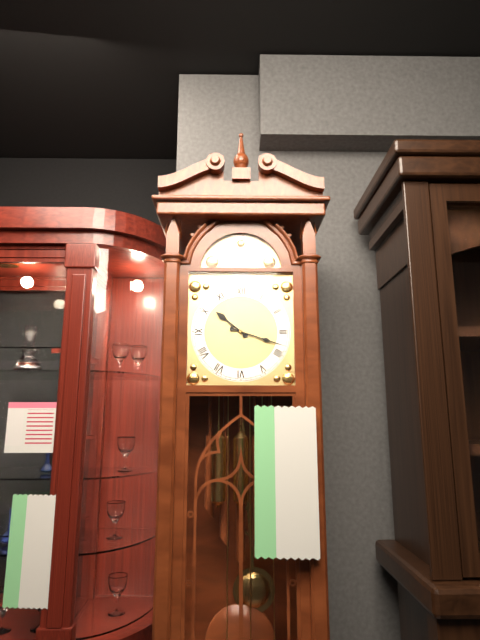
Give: 10h18
